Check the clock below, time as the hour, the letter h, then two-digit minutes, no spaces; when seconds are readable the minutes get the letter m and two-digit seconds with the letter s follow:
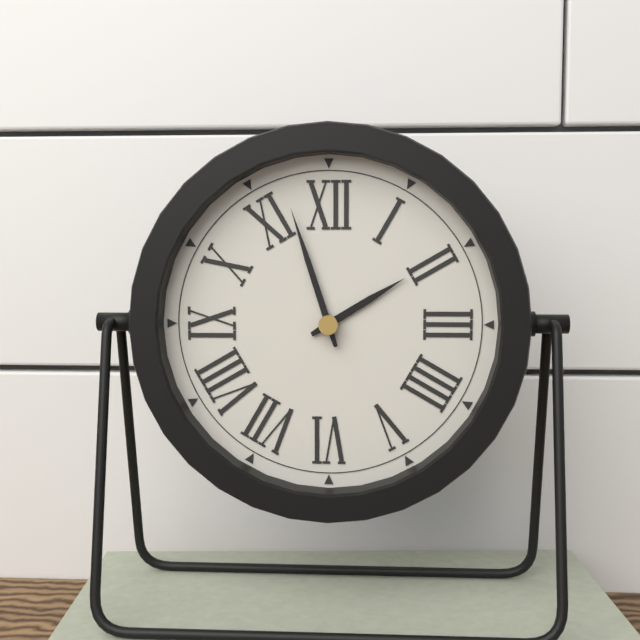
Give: 1h57
